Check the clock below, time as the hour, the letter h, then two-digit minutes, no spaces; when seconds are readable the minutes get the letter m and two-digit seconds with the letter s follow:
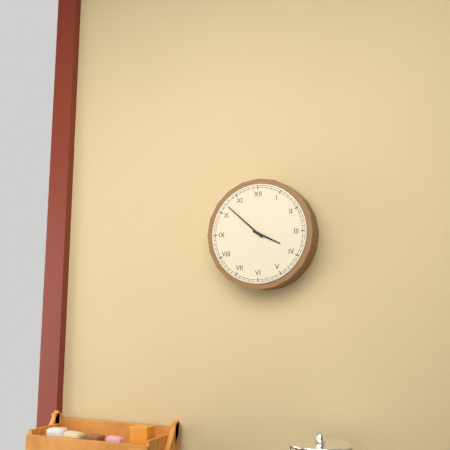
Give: 3h52
